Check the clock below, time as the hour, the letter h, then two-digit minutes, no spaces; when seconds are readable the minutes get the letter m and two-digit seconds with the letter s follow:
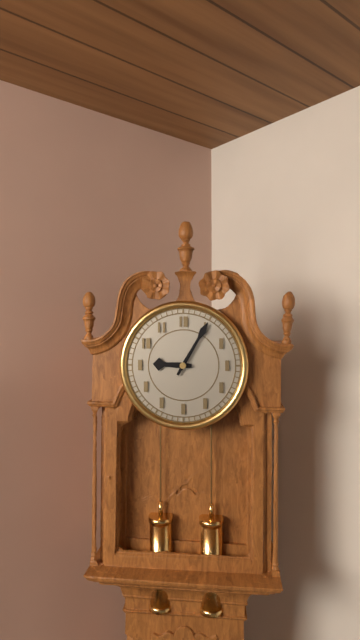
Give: 9h05
